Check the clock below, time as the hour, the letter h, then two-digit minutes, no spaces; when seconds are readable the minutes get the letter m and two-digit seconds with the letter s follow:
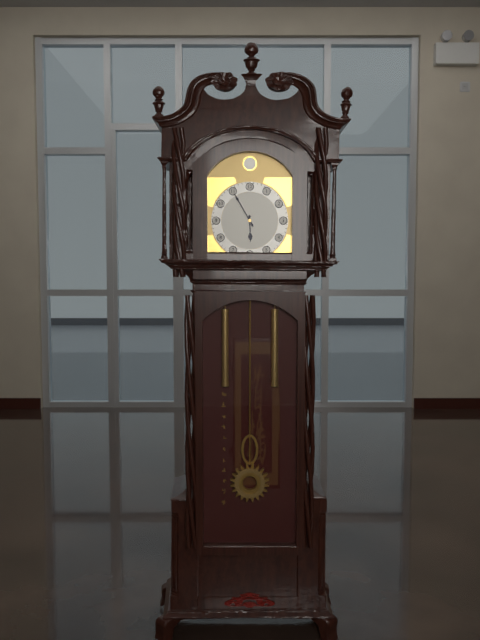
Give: 5h55
